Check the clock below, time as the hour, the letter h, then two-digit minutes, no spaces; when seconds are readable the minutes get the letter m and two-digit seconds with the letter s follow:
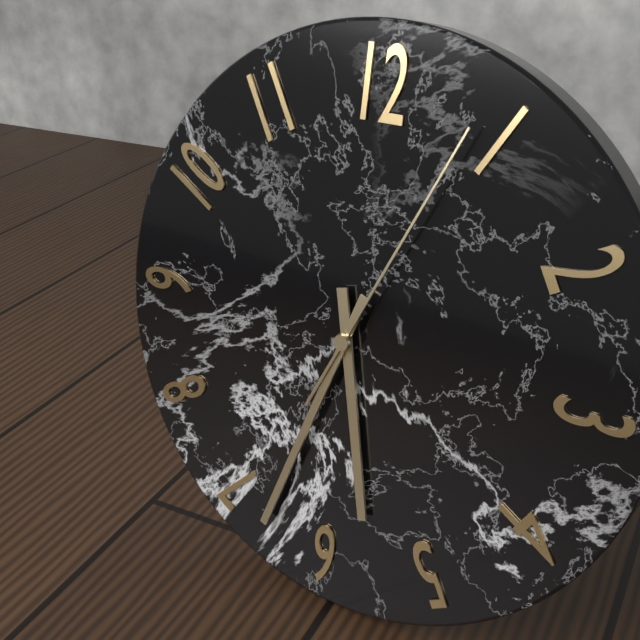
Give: 5h33m04s
